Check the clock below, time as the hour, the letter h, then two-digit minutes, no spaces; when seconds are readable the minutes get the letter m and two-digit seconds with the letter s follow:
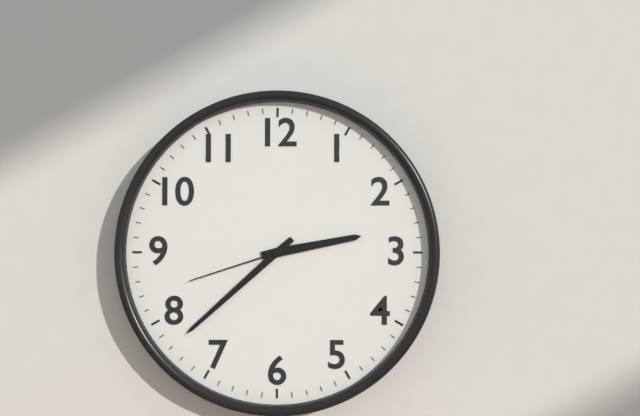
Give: 2h38m42s
